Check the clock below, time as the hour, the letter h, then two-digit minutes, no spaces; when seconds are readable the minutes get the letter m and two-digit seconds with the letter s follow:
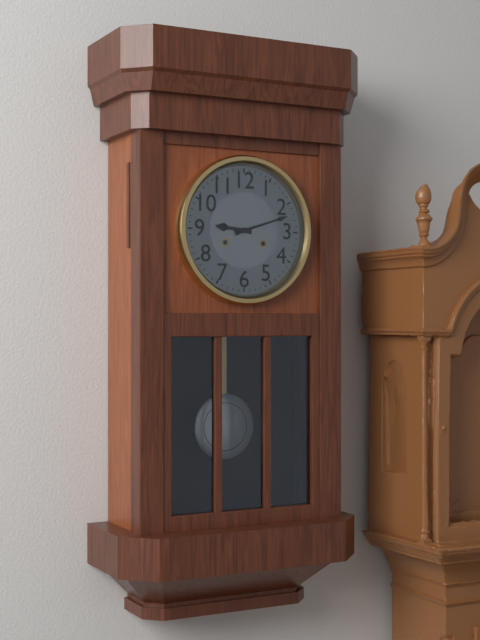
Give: 9h12
